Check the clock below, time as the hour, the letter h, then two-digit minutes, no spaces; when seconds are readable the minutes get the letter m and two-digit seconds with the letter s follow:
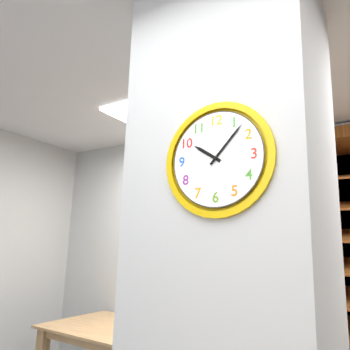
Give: 10h07
